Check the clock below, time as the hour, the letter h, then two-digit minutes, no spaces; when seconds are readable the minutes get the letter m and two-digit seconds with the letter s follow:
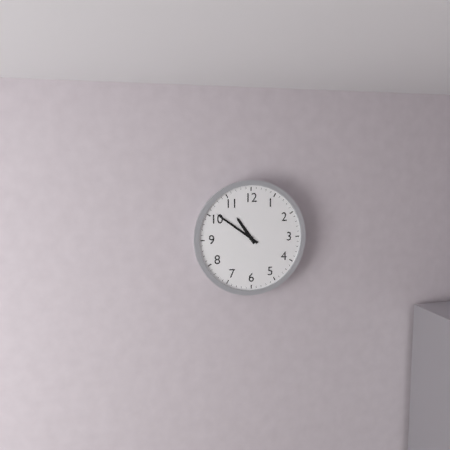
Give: 10h51
